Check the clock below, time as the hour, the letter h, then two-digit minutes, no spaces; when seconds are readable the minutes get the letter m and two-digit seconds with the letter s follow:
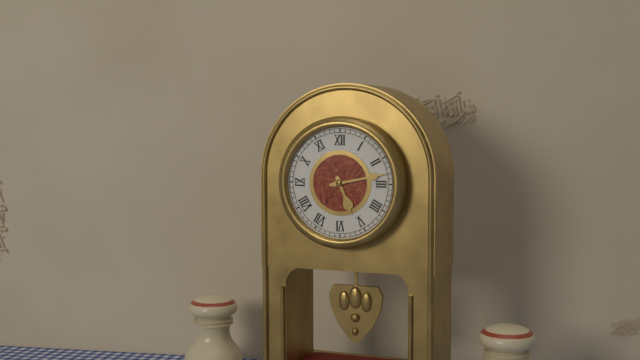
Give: 5h13
